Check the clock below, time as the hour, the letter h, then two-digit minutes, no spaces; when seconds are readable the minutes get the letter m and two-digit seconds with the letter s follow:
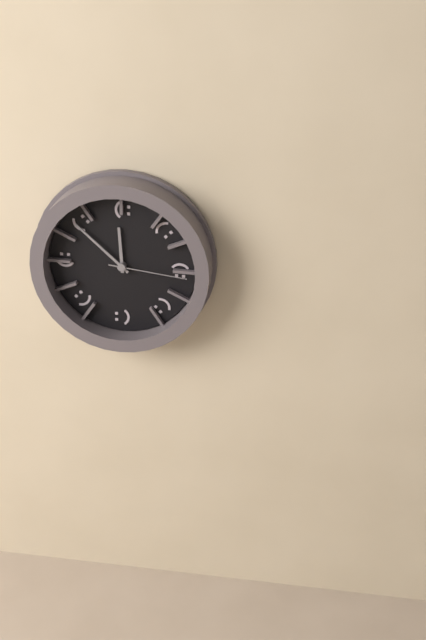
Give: 11h52m16s
